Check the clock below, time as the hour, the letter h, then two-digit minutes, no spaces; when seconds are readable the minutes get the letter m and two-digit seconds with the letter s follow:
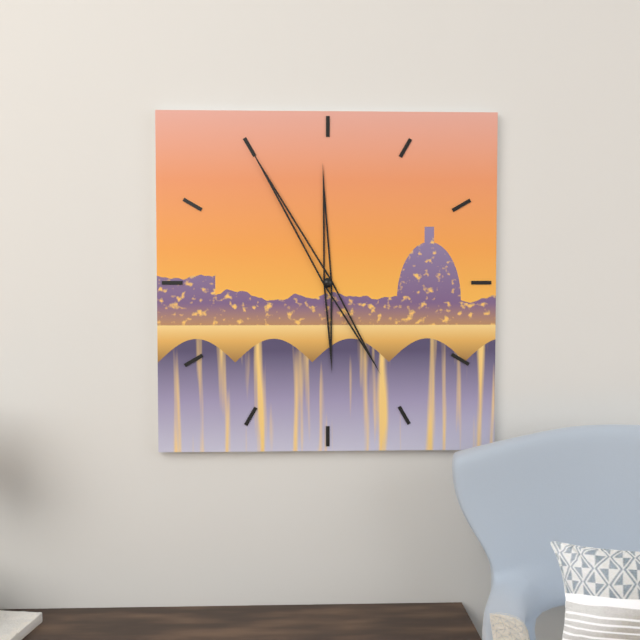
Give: 11h55
